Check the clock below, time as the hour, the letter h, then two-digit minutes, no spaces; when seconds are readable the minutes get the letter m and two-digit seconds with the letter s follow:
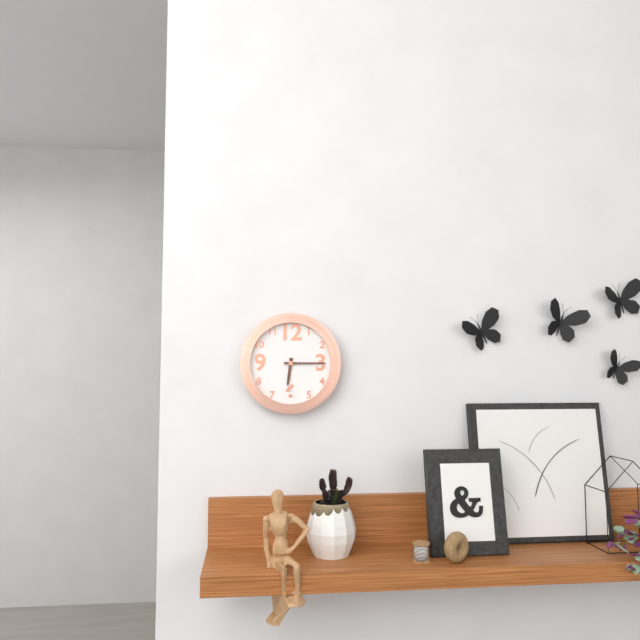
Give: 6h15
